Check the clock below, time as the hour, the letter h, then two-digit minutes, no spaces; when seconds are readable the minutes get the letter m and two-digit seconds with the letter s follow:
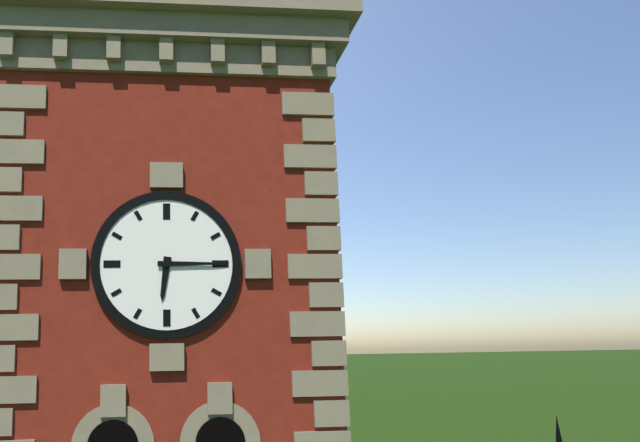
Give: 6h15
